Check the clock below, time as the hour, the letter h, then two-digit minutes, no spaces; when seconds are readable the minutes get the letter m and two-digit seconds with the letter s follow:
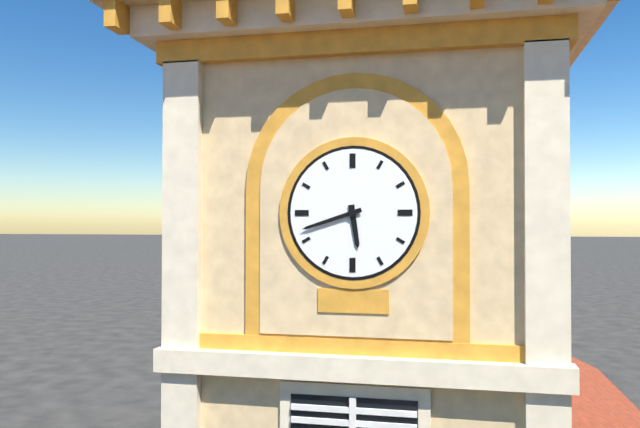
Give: 5h42
